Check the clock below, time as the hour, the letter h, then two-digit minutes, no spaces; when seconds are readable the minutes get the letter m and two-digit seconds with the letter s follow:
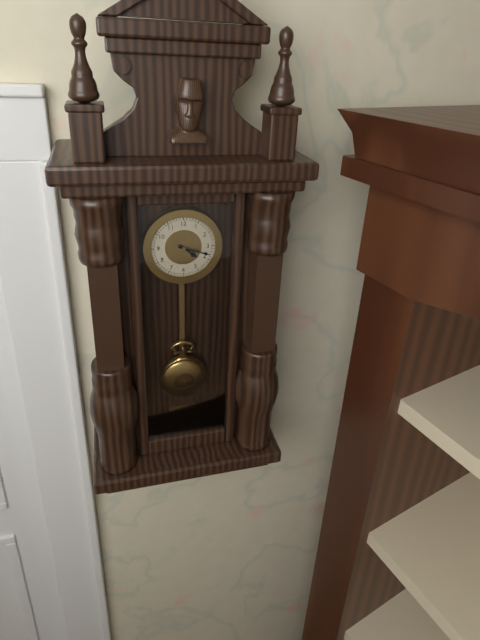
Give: 4h18
